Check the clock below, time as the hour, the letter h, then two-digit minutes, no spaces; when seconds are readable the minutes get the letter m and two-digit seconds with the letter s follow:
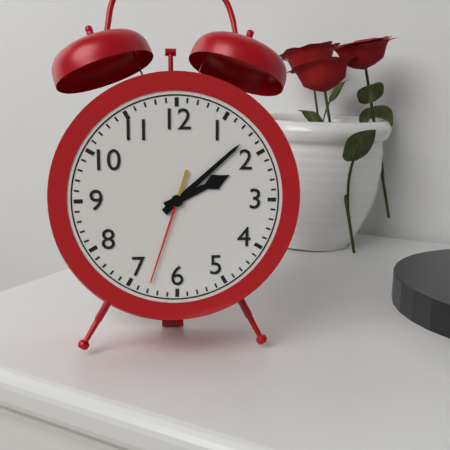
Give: 2h08m33s
